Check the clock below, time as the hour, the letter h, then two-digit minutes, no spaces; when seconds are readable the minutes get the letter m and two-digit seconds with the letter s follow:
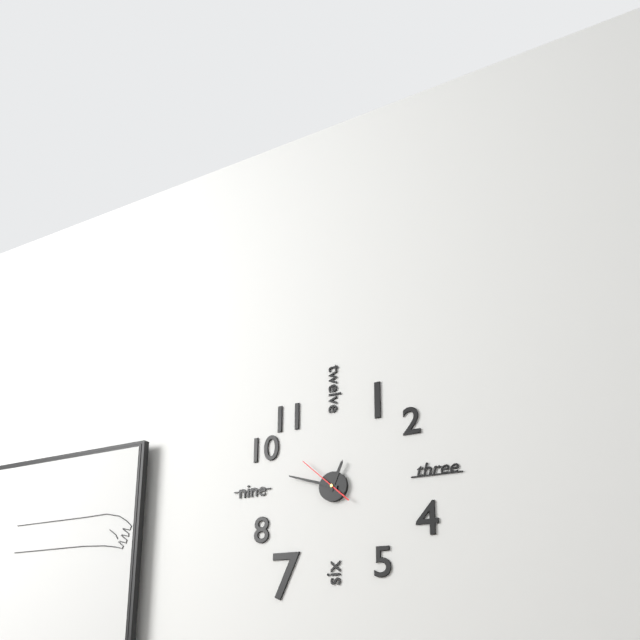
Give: 12h48m52s
